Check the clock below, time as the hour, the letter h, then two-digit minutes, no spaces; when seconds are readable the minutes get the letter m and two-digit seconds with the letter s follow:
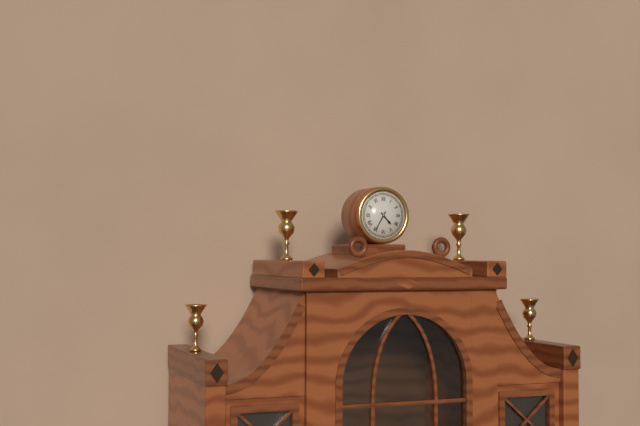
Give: 4h35
